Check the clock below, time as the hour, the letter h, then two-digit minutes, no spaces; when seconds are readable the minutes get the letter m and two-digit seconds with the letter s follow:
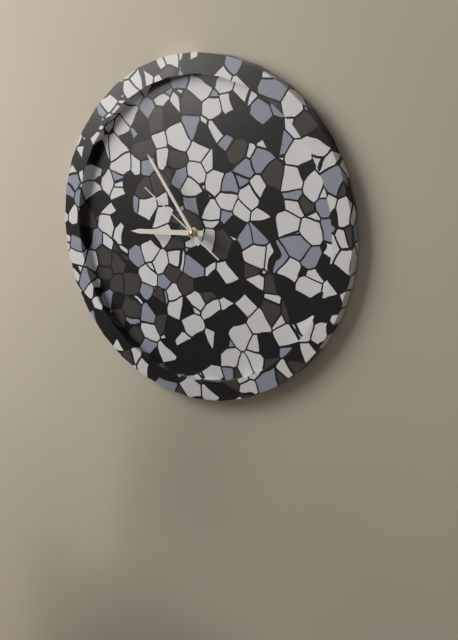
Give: 8h54m51s
